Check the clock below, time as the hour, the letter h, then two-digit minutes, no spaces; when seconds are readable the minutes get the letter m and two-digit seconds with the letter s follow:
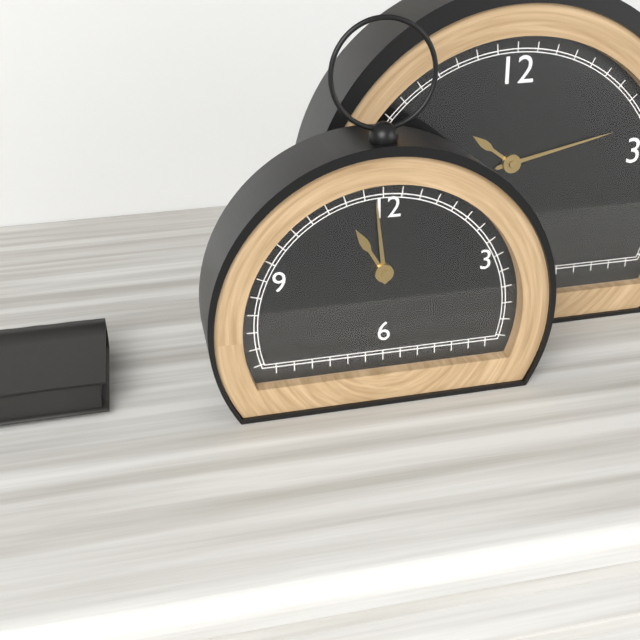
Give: 10h59
